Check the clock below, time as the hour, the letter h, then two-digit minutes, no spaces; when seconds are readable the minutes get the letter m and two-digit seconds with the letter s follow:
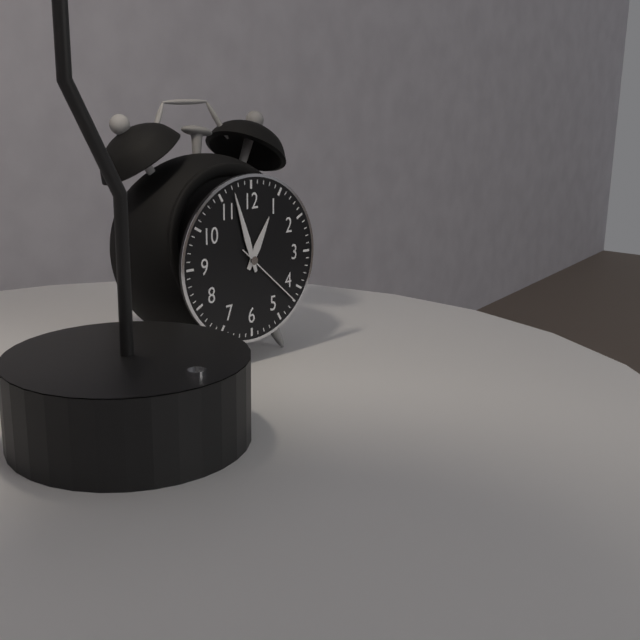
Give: 12h57m22s
